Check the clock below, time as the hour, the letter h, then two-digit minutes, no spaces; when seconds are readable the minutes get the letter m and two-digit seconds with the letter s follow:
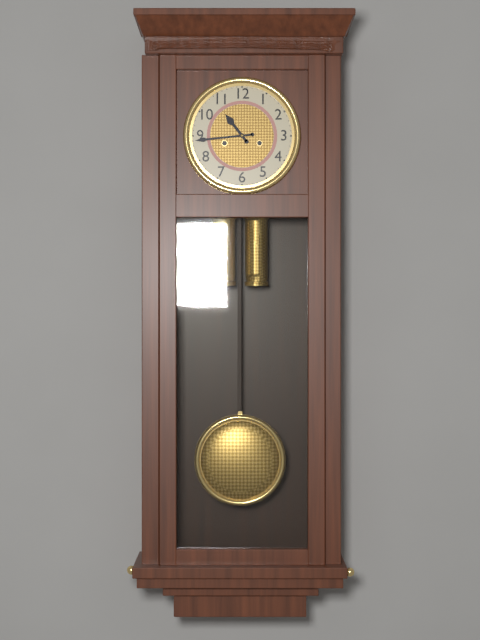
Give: 10h44
